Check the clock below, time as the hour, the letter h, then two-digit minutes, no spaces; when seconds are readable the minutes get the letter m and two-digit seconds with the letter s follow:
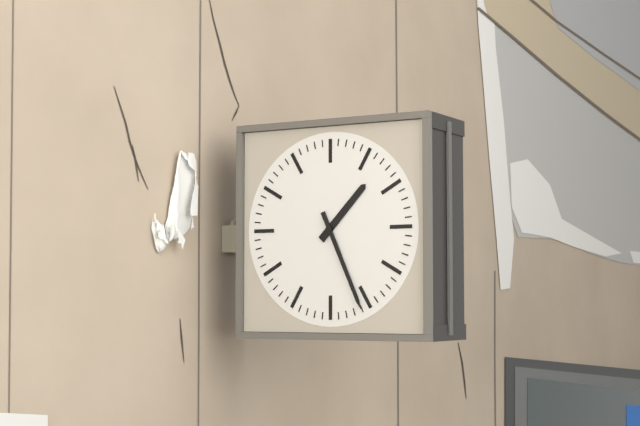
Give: 1h26
